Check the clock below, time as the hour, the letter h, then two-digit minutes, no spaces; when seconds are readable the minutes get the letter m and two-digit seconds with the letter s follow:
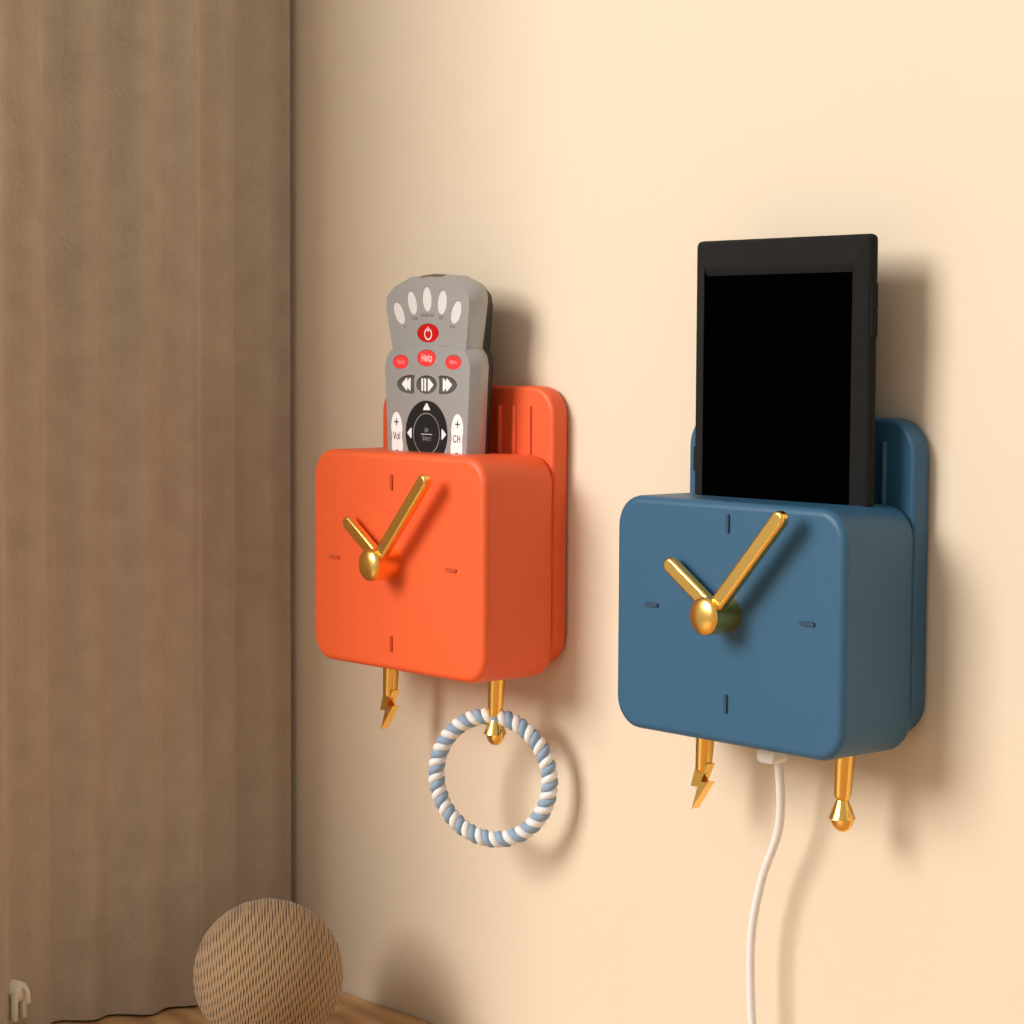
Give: 10h07
